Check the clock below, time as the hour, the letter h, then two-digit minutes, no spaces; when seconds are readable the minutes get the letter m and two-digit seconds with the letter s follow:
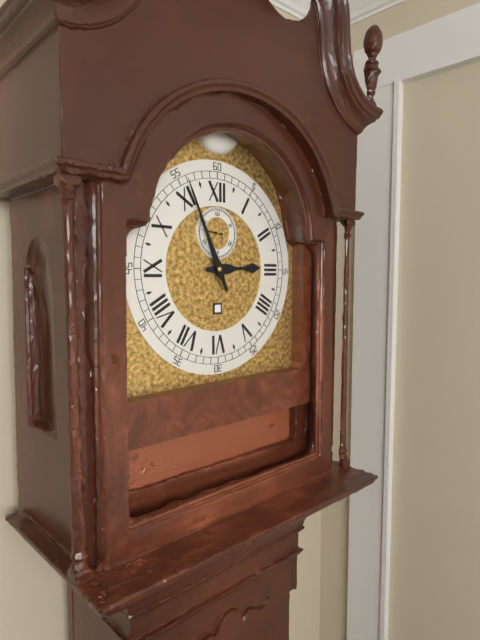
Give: 2h56
